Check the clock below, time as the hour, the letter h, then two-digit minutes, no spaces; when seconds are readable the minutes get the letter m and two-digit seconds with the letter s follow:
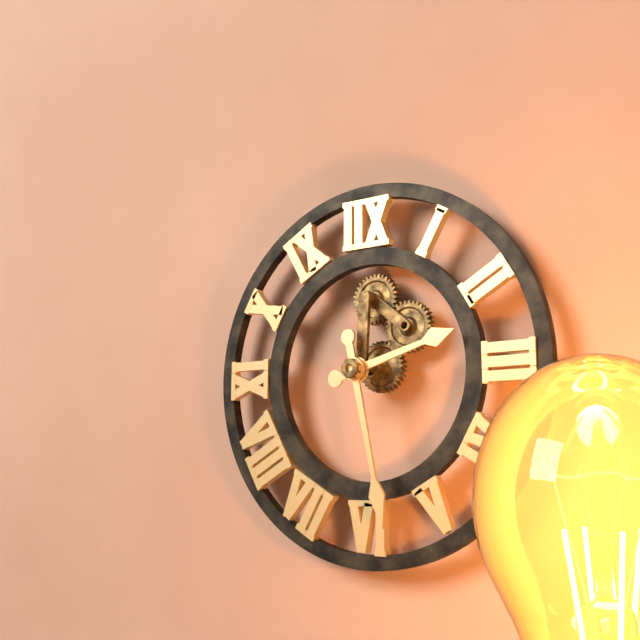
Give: 2h28
